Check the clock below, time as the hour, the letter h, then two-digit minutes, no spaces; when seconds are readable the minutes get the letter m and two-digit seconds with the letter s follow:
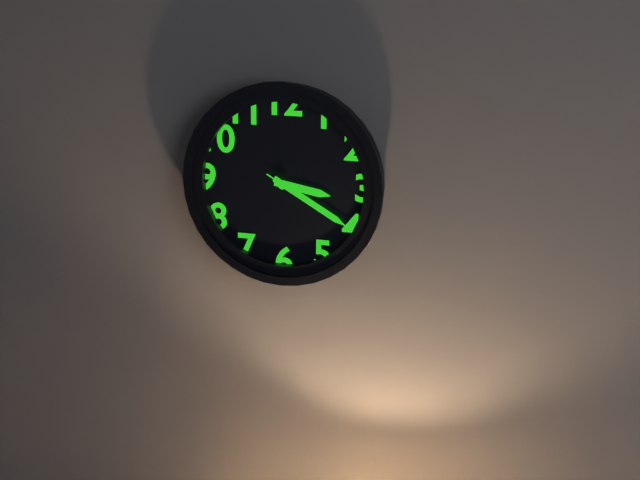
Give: 3h20m20s
